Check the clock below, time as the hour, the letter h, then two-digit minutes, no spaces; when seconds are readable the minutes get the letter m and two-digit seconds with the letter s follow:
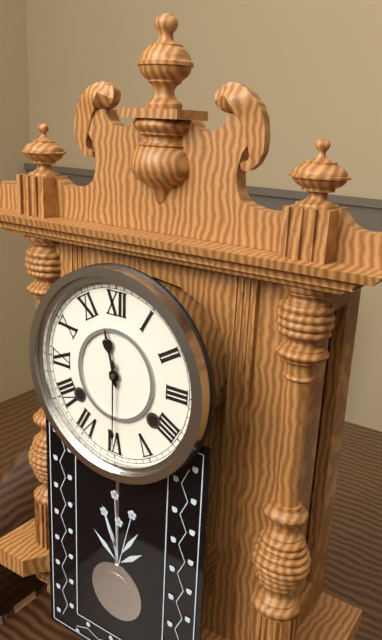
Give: 11h30
